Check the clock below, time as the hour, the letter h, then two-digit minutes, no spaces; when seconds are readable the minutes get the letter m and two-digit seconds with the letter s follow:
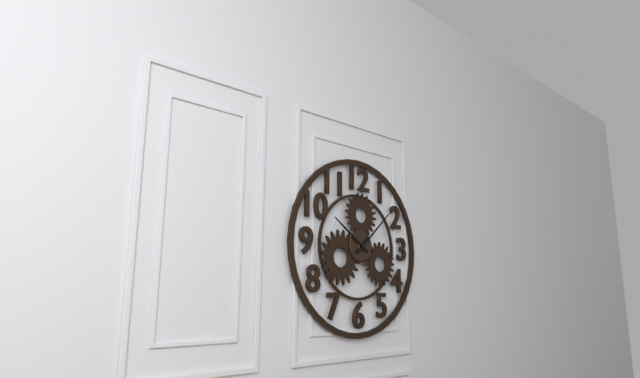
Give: 10h08
